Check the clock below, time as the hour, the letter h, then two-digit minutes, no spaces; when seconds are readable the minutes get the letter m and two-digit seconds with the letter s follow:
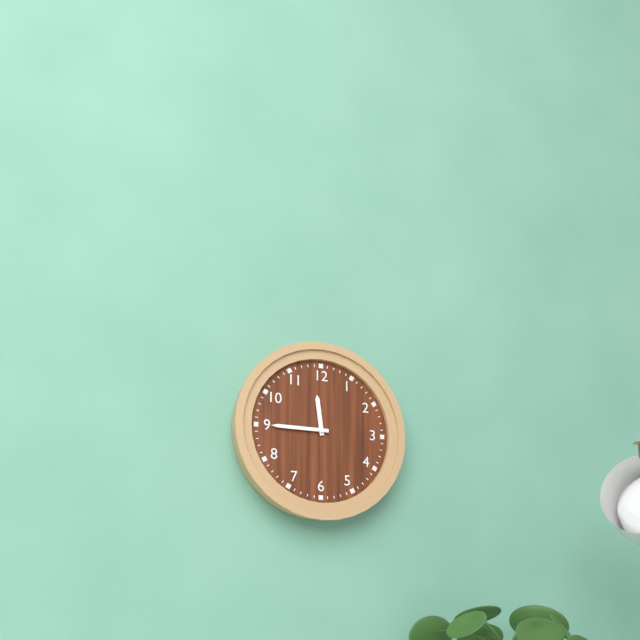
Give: 11h45
